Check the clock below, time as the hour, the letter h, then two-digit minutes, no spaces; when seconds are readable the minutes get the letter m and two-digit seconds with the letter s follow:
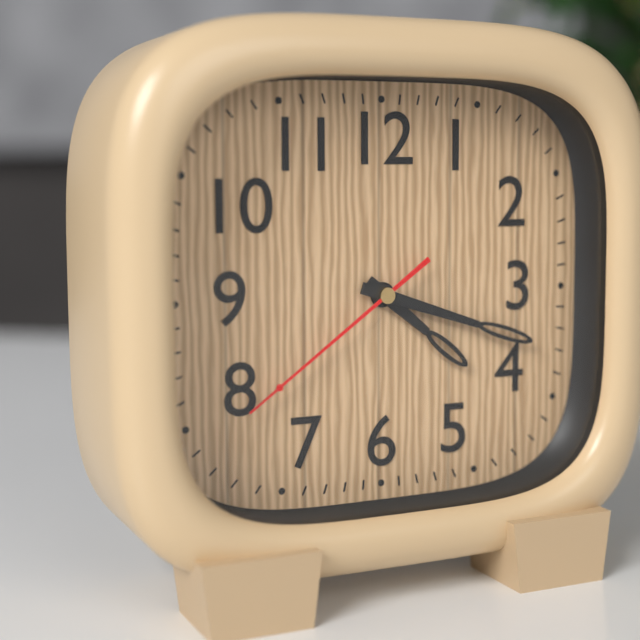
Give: 4h18m39s
